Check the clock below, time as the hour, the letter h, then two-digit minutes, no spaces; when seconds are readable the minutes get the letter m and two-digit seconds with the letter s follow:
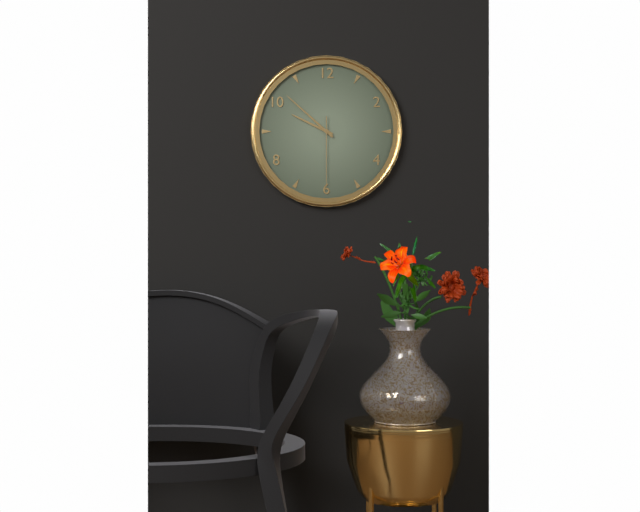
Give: 9h52m30s
